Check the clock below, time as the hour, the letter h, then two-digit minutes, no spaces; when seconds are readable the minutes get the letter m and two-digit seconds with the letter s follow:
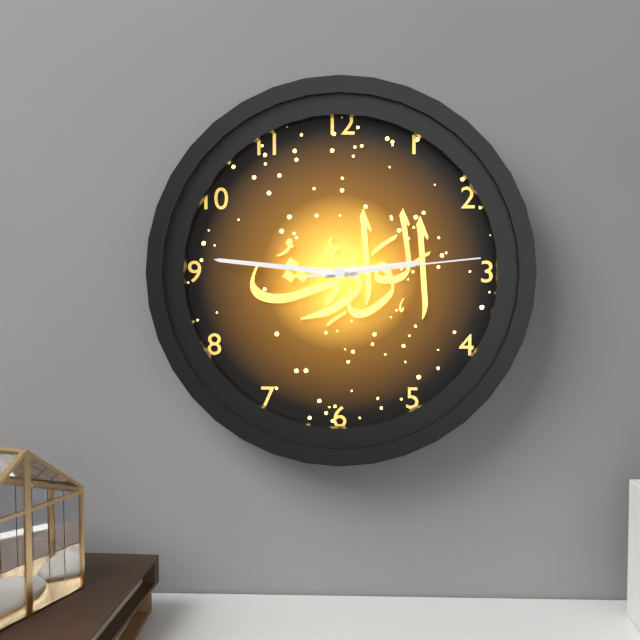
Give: 2h46m14s
